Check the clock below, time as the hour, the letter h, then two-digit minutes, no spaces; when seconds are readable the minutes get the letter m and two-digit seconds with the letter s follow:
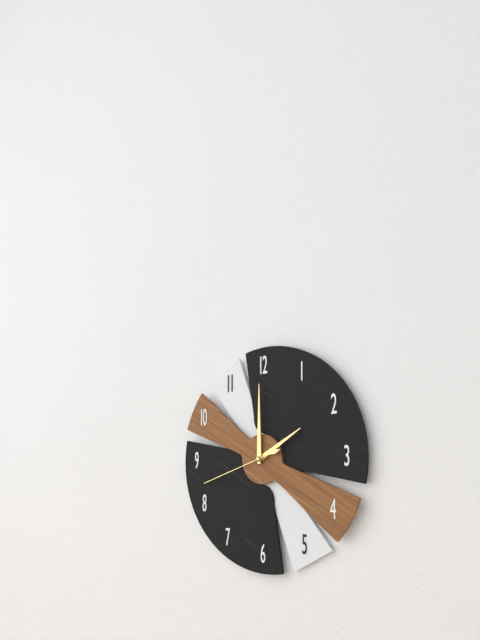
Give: 2h00m42s
